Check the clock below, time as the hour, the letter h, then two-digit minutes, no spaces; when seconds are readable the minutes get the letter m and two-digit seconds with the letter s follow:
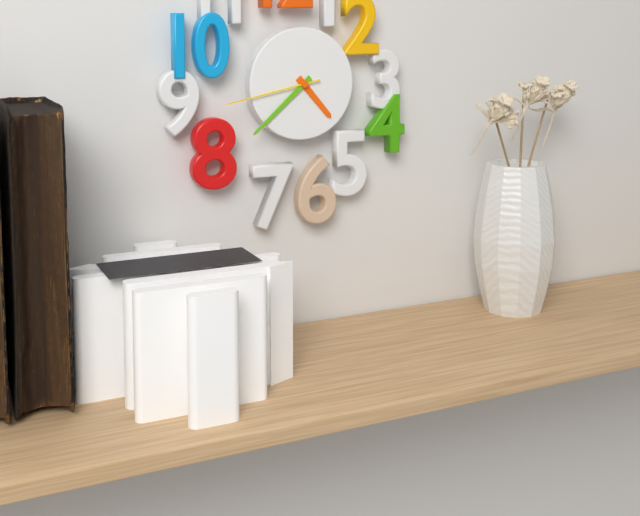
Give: 4h38m43s
